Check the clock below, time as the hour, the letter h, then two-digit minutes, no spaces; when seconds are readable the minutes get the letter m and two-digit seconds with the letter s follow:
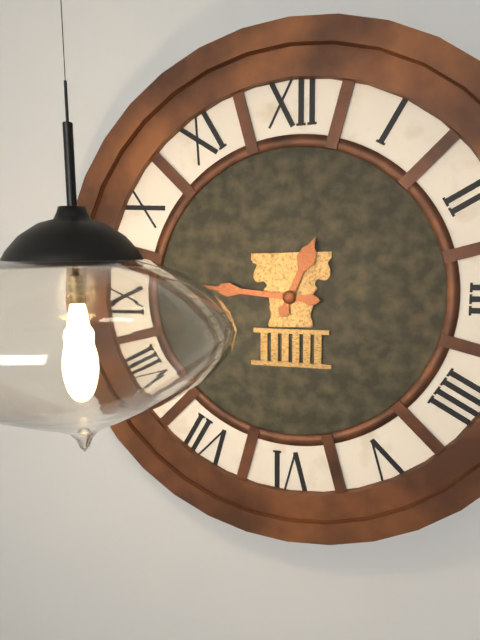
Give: 12h46
